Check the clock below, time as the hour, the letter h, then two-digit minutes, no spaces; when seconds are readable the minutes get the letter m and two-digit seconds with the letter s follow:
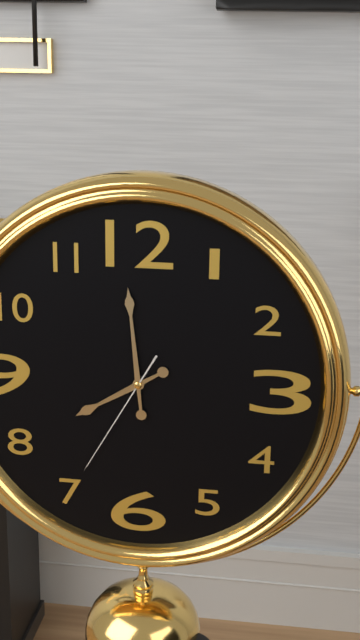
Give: 7h59m35s
